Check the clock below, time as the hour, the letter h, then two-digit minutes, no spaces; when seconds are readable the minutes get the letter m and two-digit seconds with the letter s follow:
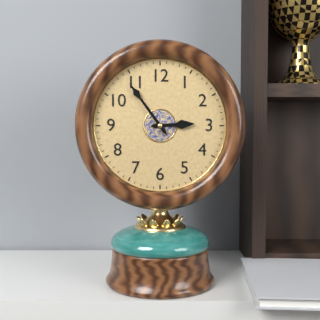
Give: 2h54
